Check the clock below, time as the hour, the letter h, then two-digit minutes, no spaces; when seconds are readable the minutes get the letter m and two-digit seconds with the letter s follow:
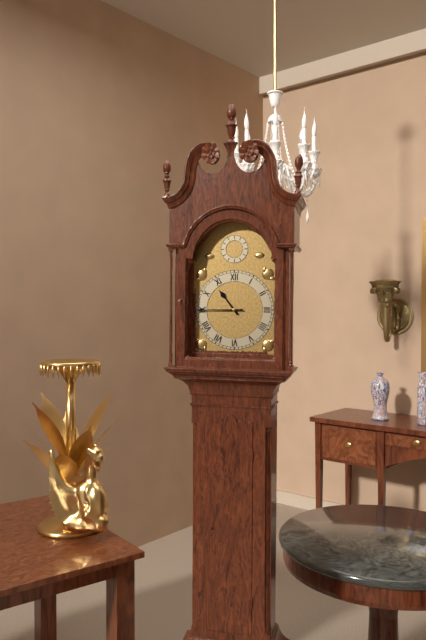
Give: 10h45
